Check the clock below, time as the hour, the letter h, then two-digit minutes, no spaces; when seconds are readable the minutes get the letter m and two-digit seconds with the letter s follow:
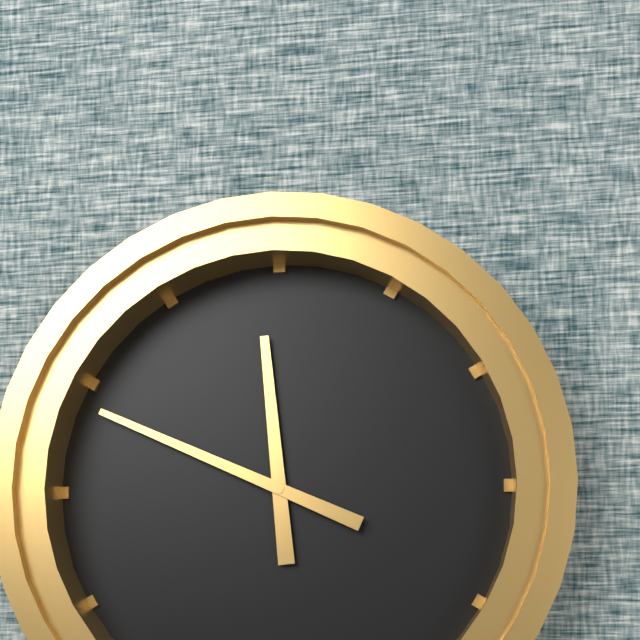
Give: 11h49
